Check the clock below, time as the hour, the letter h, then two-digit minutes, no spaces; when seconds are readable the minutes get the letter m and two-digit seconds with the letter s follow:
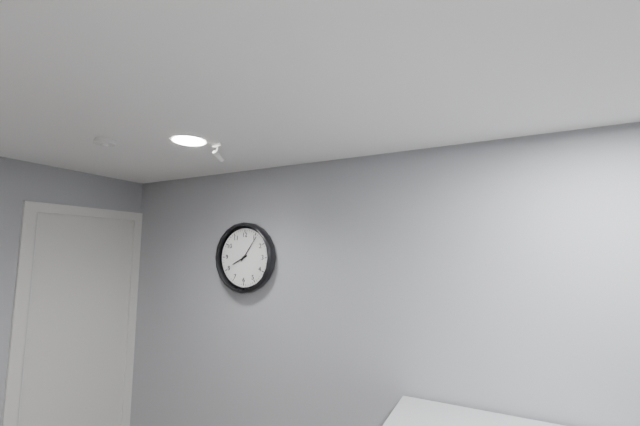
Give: 8h06
